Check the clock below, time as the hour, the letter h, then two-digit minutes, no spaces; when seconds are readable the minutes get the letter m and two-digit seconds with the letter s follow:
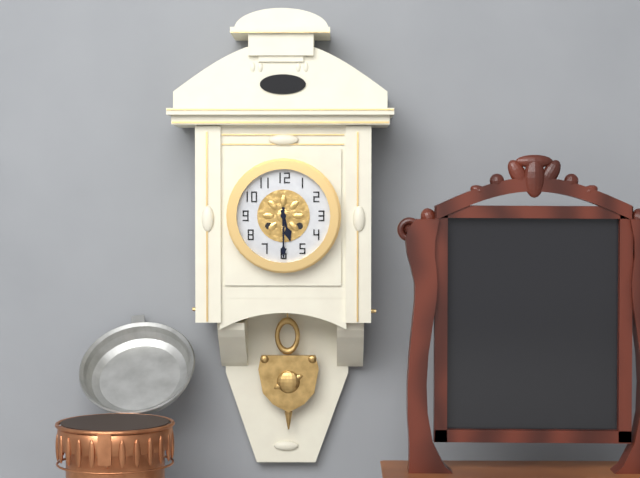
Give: 5h30
